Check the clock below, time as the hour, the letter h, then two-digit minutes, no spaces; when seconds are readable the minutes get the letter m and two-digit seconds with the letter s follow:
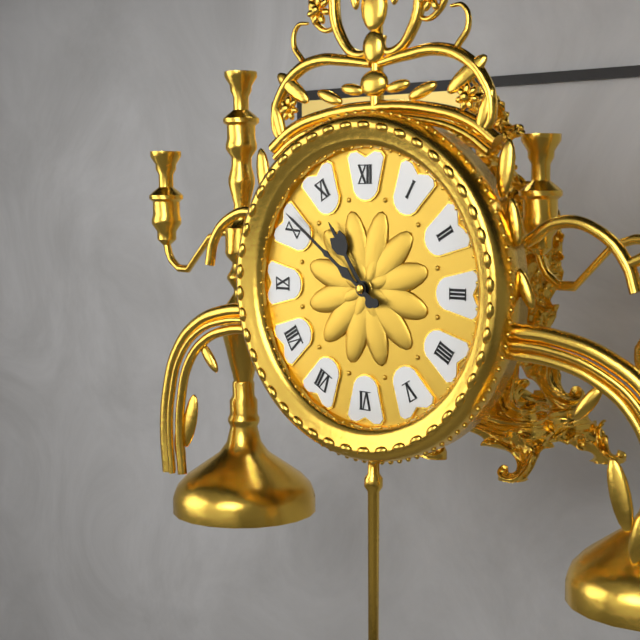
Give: 10h51
